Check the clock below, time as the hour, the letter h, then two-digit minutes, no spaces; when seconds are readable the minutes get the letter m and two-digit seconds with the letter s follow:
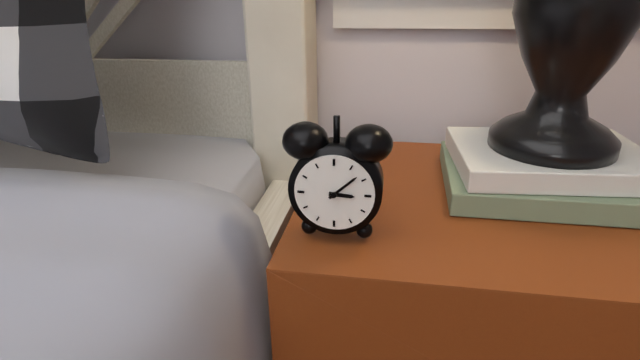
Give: 3h08
